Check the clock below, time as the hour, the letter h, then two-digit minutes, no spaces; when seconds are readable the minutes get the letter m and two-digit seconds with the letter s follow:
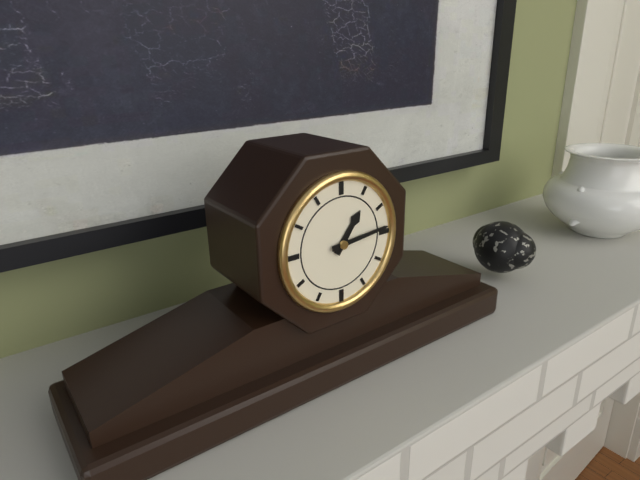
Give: 1h14
